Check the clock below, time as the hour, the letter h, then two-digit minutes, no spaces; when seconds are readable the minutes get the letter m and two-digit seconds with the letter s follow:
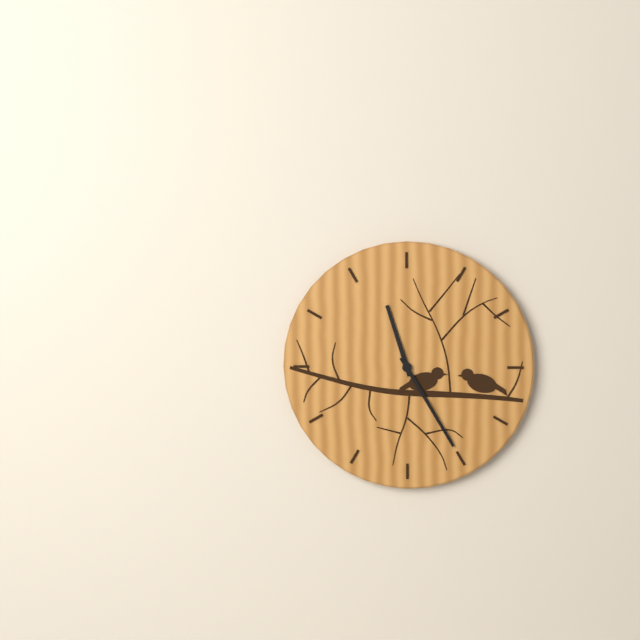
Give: 11h25
